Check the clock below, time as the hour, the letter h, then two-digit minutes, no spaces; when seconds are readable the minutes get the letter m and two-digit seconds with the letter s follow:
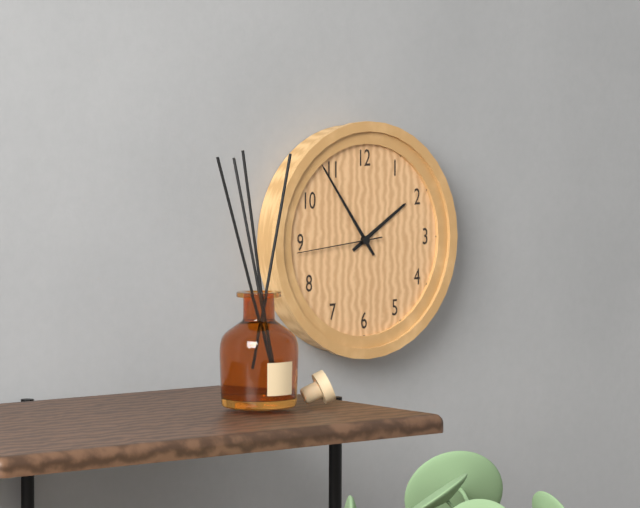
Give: 1h54m44s
